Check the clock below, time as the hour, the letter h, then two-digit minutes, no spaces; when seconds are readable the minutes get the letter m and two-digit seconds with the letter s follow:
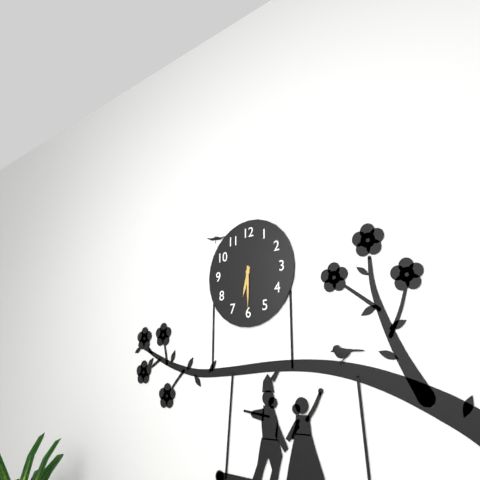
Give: 6h30
